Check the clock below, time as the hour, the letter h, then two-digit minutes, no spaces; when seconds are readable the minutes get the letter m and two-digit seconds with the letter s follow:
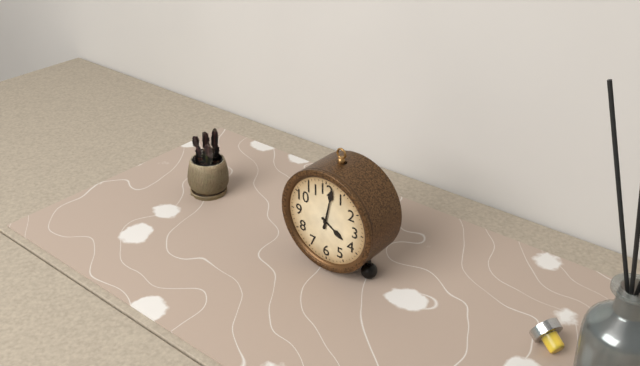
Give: 4h02
